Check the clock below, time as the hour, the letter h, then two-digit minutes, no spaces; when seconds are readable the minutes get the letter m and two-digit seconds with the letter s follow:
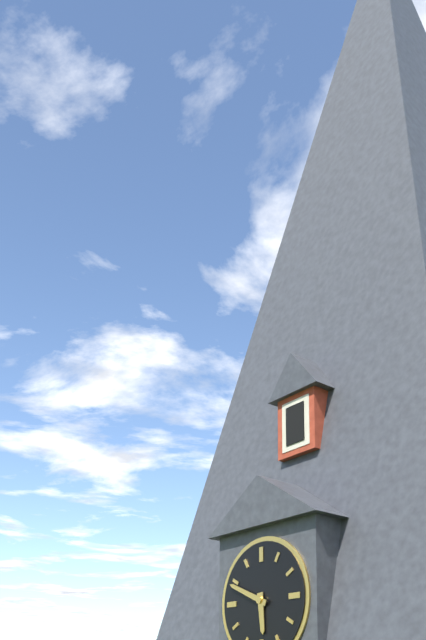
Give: 5h49
